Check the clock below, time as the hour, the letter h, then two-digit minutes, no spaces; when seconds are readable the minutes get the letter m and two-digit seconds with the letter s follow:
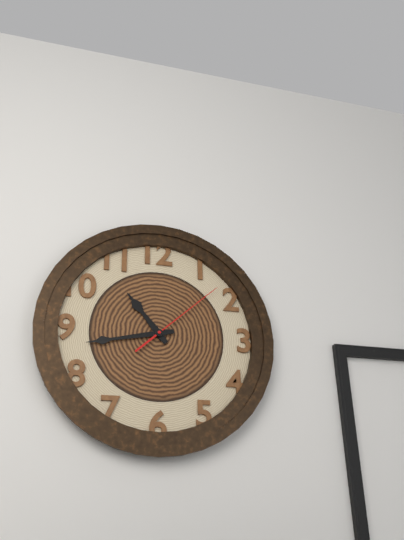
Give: 10h43m08s
